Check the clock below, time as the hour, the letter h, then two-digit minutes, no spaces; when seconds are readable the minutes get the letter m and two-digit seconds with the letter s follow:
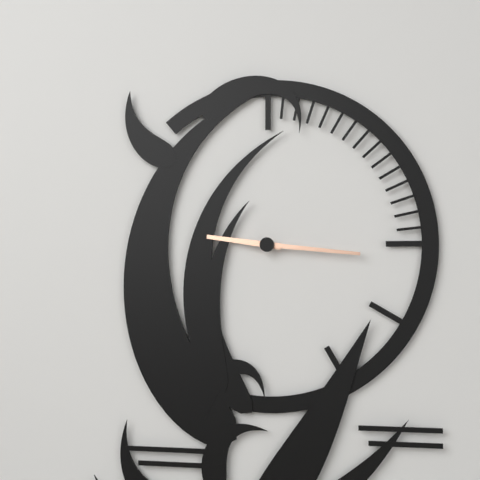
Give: 9h16
